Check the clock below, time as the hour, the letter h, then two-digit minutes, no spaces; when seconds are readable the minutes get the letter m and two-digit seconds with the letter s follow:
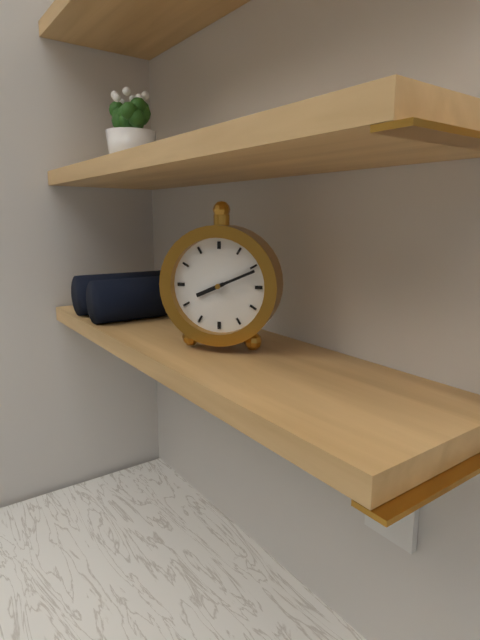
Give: 8h11
